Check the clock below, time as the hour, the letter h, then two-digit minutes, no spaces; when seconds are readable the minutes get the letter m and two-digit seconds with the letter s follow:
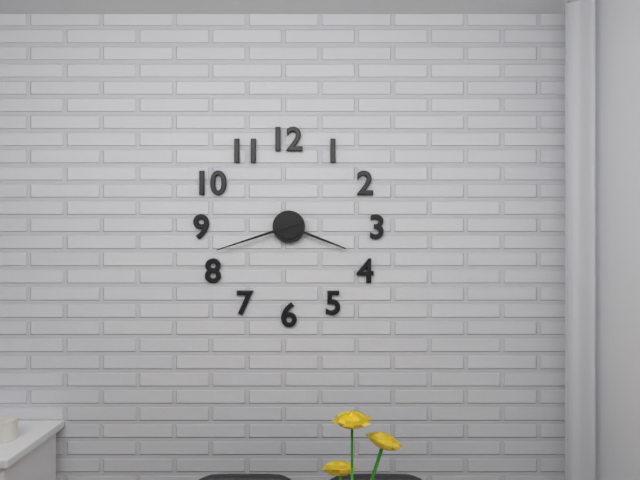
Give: 3h42
